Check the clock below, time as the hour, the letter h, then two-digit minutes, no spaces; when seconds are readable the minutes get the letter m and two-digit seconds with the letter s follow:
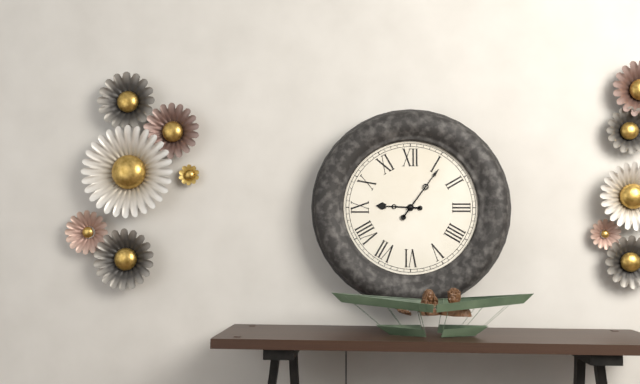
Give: 9h06
